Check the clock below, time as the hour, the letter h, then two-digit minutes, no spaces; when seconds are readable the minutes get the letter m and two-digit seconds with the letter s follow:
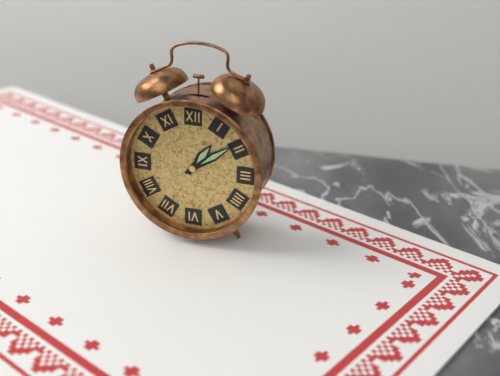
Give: 1h09
